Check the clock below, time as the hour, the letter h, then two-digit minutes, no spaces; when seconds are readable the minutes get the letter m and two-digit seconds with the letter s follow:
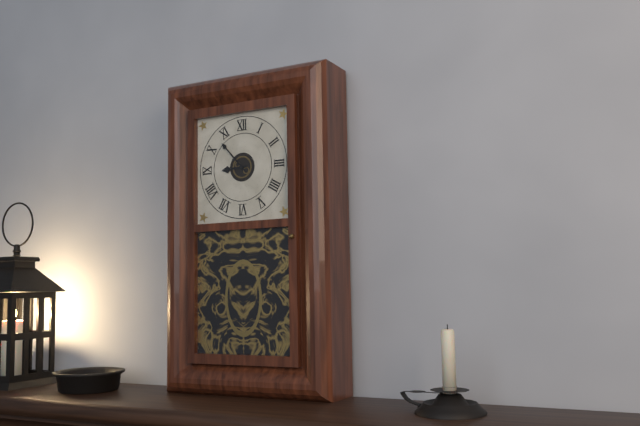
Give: 8h53
